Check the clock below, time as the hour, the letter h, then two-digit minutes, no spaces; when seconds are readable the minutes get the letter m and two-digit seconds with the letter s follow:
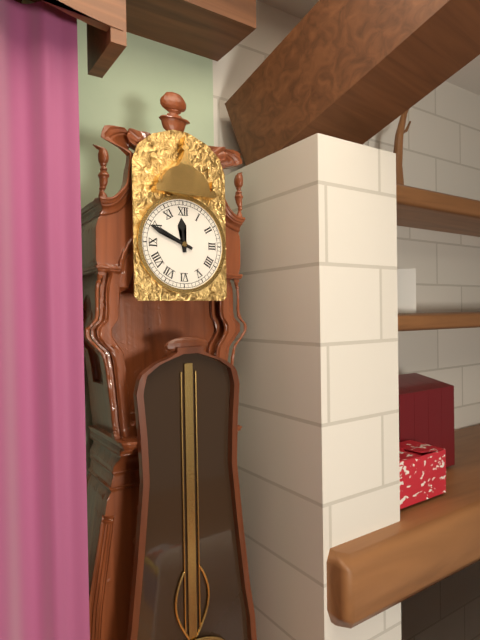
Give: 11h49
